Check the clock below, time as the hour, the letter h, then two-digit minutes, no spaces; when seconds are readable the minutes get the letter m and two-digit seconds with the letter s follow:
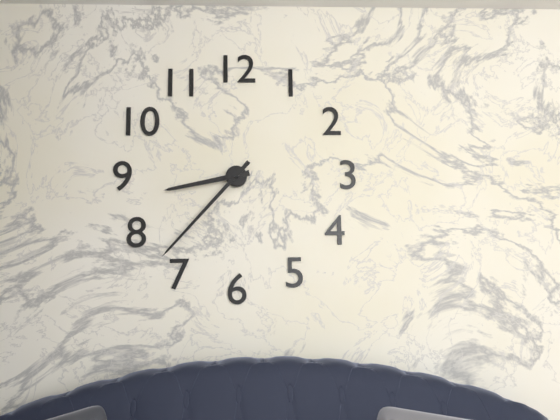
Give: 8h37
